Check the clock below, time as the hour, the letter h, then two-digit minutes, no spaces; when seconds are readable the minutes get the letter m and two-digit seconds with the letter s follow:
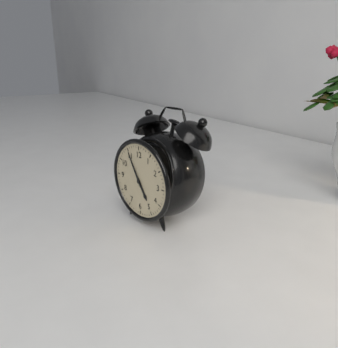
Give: 4h55
